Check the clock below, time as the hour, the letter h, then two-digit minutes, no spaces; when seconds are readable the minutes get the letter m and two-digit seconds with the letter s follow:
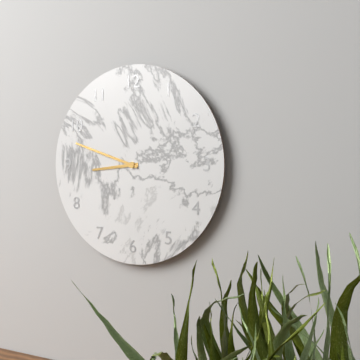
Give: 8h48
